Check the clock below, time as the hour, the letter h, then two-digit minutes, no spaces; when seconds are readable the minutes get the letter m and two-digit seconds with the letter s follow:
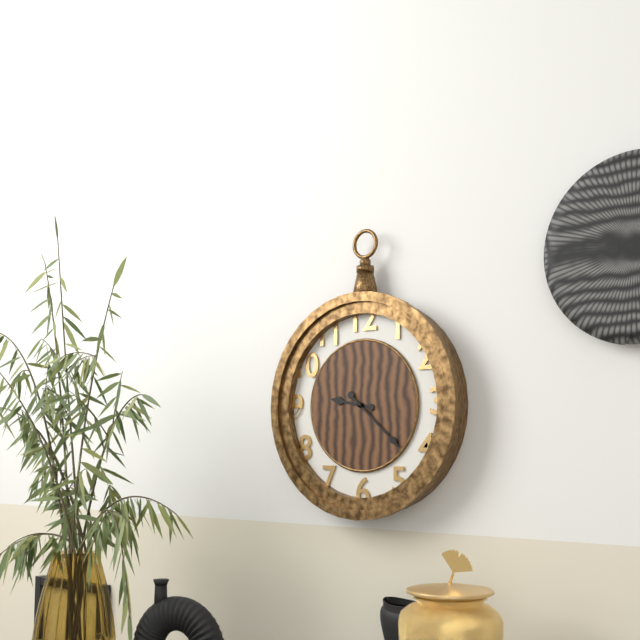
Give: 9h22
